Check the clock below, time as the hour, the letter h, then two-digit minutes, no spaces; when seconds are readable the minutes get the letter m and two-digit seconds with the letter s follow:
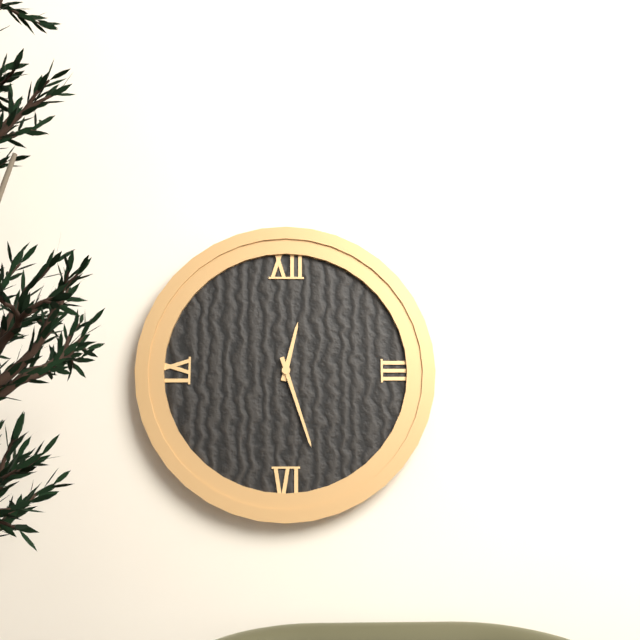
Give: 12h27
